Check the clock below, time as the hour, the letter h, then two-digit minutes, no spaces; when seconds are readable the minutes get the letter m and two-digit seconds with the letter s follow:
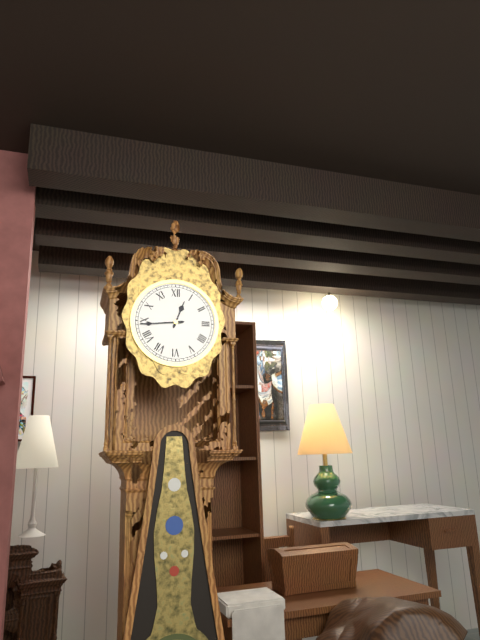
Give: 12h44
